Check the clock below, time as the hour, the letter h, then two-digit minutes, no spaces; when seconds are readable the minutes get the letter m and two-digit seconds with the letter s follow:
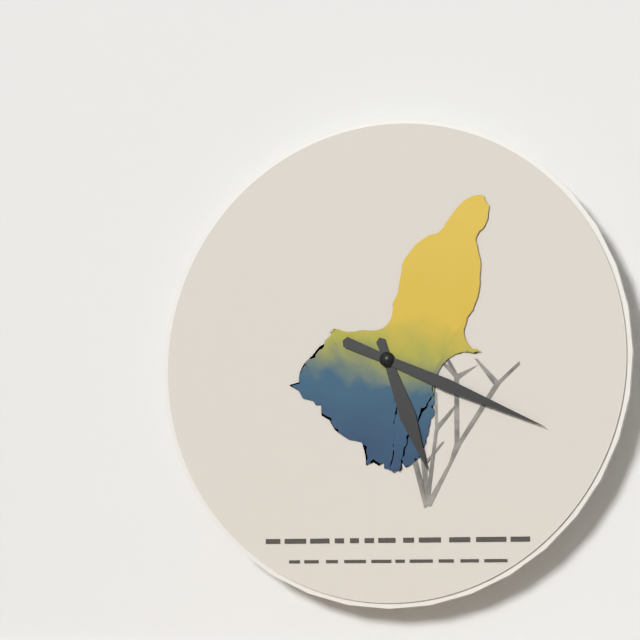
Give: 5h19
